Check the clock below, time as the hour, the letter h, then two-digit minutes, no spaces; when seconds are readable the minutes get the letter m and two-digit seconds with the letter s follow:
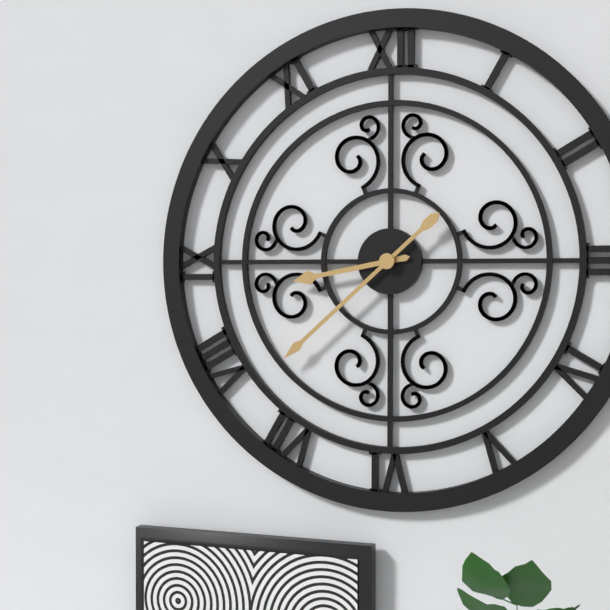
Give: 8h38
